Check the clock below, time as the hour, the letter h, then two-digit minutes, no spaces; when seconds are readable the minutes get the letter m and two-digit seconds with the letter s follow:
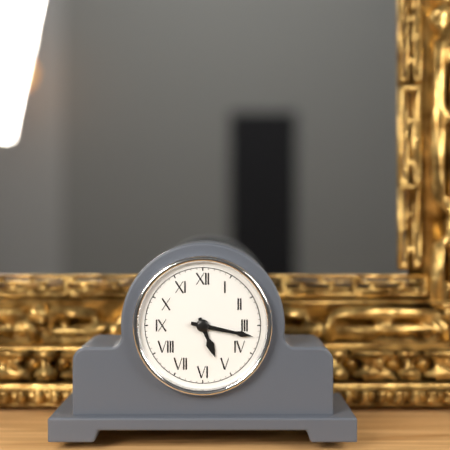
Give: 5h17
